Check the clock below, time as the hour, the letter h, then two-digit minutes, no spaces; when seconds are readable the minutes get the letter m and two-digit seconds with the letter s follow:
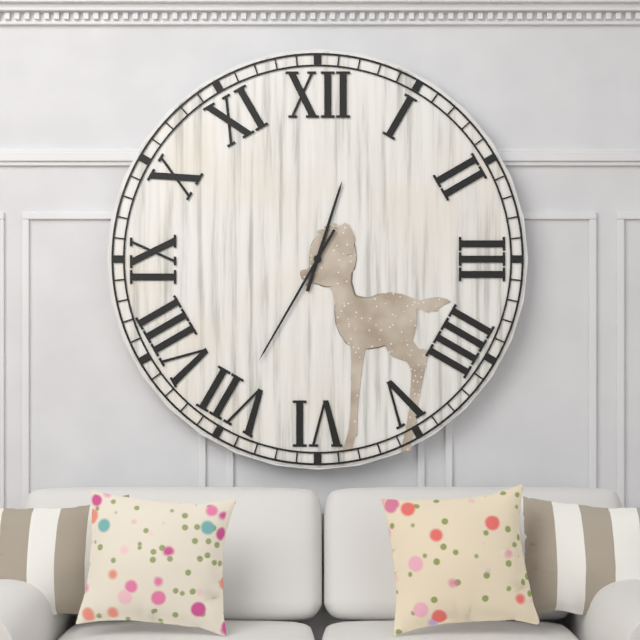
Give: 12h35
